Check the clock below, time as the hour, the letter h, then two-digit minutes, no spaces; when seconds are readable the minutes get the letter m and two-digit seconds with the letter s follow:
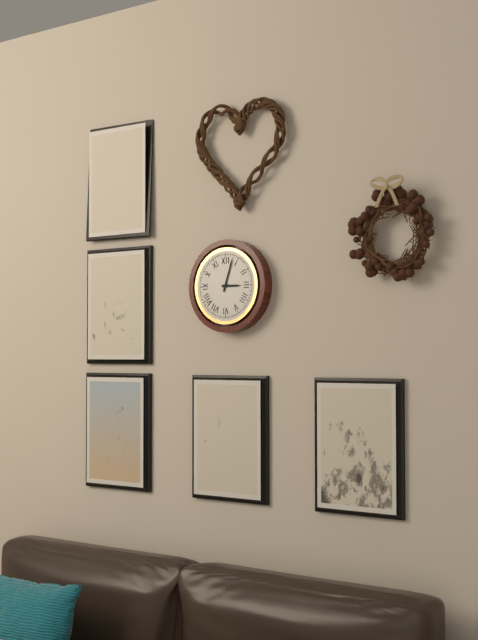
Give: 3h03
